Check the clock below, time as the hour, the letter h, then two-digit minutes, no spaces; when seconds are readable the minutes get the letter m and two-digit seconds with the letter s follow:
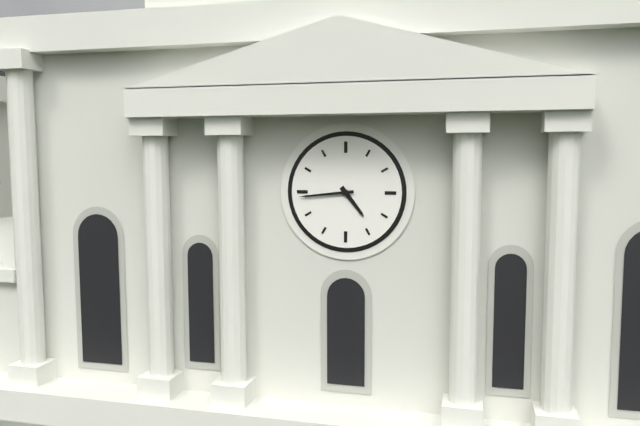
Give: 4h44
